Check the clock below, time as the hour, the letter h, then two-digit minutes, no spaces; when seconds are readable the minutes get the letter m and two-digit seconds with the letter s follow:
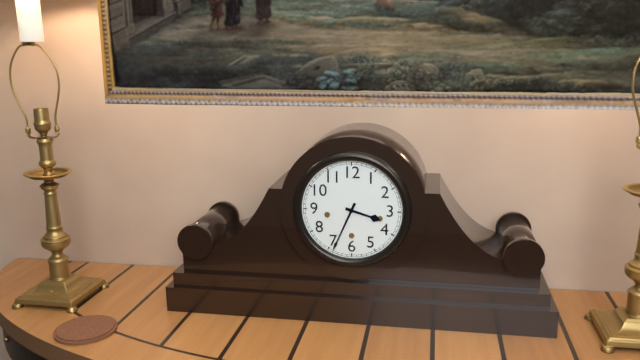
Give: 3h34
